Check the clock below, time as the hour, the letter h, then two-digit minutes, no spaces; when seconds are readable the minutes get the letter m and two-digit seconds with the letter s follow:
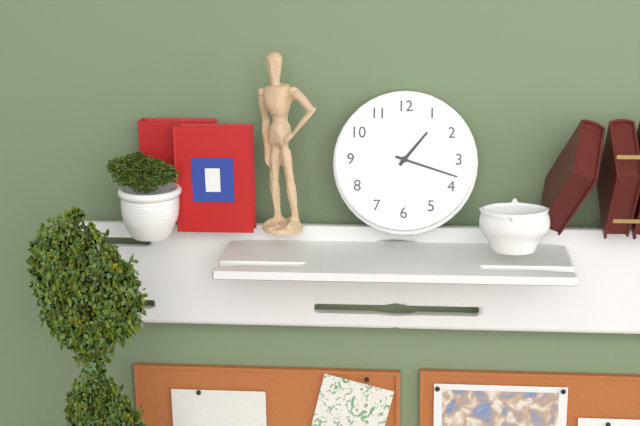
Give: 1h18
